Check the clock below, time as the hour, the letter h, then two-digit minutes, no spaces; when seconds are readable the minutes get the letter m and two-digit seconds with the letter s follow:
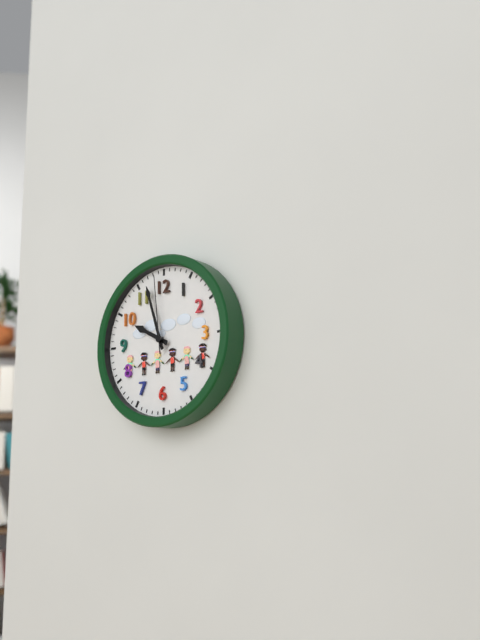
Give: 9h57m59s
